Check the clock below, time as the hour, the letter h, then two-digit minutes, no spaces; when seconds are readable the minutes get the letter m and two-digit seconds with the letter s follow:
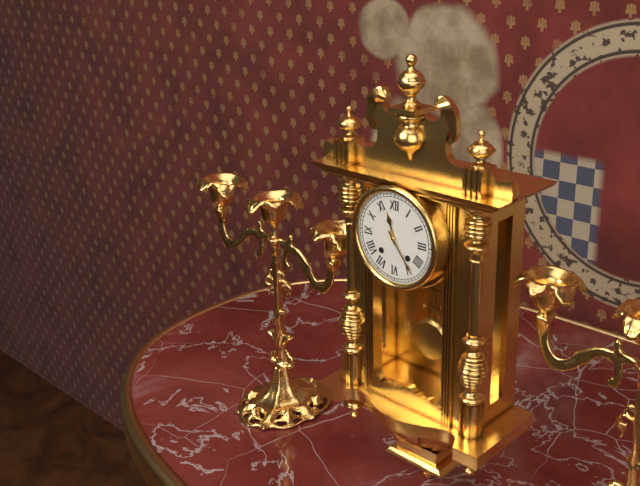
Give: 11h24
